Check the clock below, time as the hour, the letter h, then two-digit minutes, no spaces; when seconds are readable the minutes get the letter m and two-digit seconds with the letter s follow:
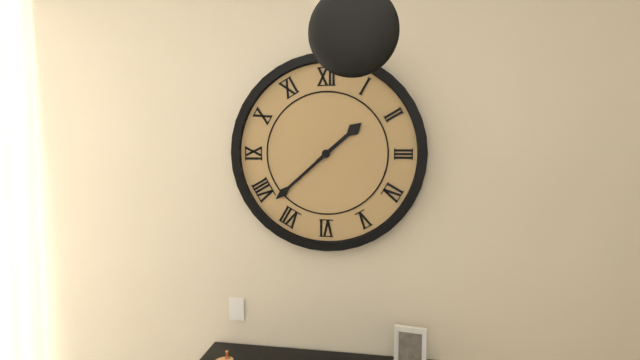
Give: 1h38
